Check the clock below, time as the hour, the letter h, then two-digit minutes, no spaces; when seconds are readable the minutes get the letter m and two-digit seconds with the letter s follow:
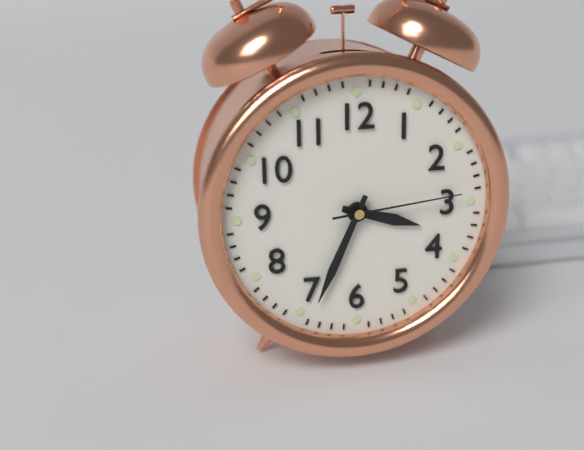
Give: 3h34m14s
